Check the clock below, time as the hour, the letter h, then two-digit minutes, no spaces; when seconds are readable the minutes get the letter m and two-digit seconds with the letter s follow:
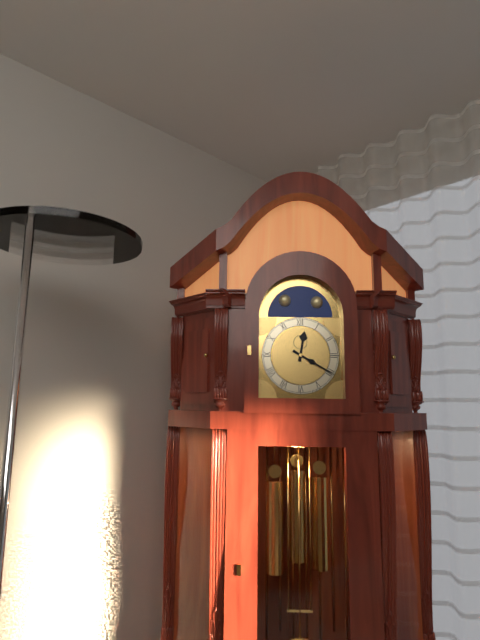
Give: 12h20
